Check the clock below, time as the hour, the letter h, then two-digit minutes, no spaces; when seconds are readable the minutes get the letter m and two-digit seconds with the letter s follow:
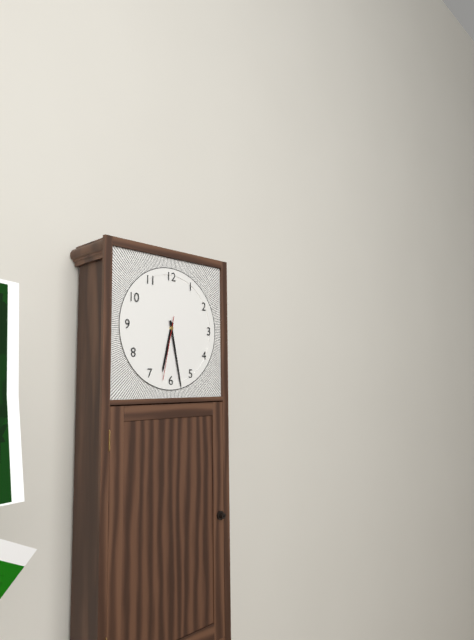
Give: 6h28m32s
